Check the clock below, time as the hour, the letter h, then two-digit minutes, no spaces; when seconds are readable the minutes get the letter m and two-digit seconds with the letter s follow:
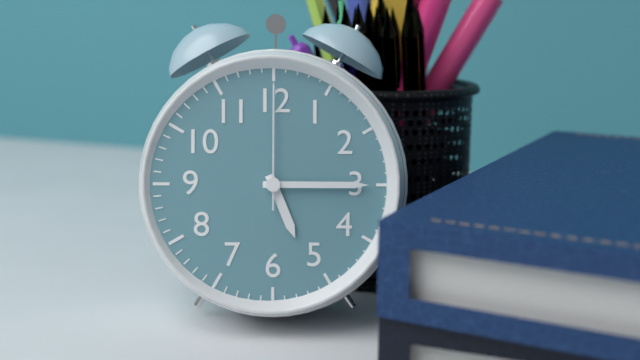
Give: 5h15m00s
